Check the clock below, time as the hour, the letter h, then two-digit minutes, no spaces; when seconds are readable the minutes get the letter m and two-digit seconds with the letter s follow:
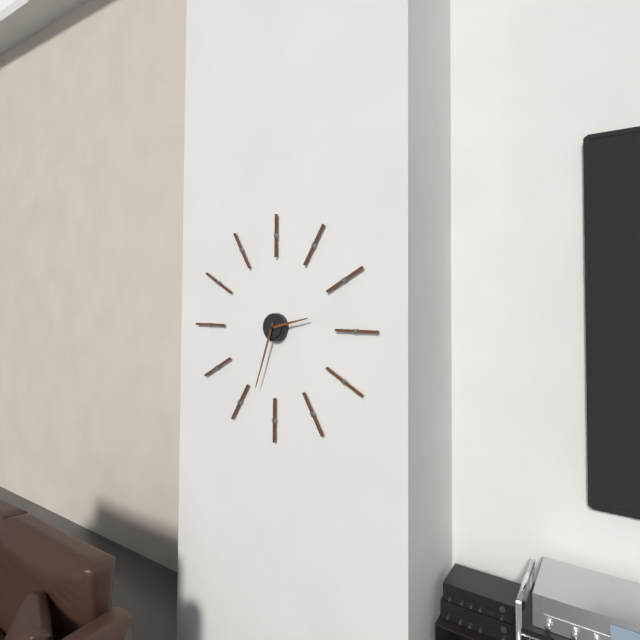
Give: 2h33
